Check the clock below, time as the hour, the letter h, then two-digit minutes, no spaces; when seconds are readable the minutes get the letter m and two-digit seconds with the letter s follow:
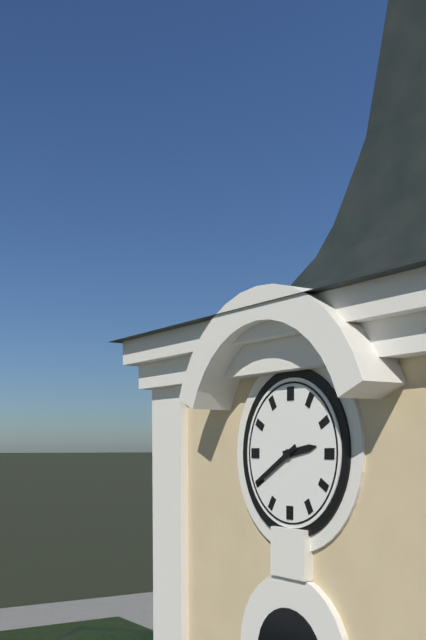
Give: 2h40
